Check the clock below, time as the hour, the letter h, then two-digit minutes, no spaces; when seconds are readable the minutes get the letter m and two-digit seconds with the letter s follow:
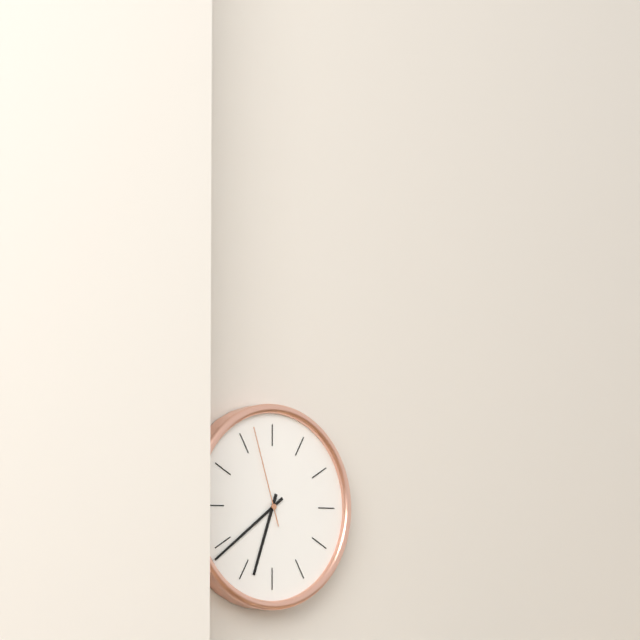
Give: 6h39m57s
